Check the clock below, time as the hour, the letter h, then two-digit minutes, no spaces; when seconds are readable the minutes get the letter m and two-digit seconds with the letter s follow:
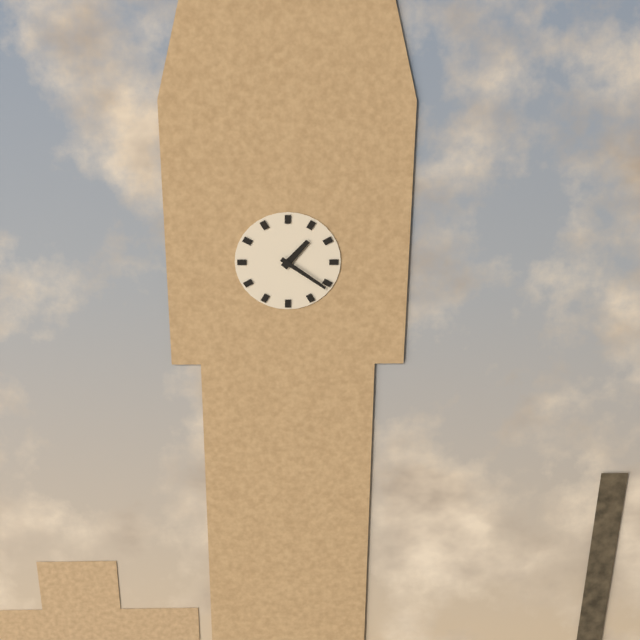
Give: 1h21
